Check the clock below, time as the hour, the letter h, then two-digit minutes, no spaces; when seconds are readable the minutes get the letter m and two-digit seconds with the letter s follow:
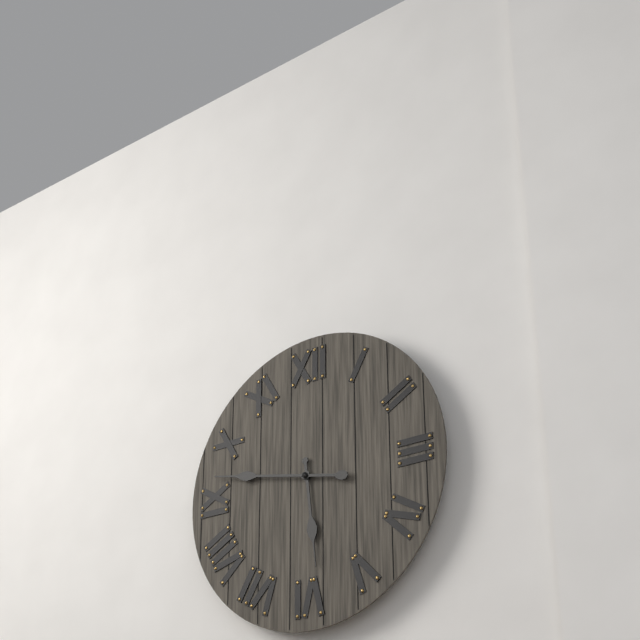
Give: 5h47
